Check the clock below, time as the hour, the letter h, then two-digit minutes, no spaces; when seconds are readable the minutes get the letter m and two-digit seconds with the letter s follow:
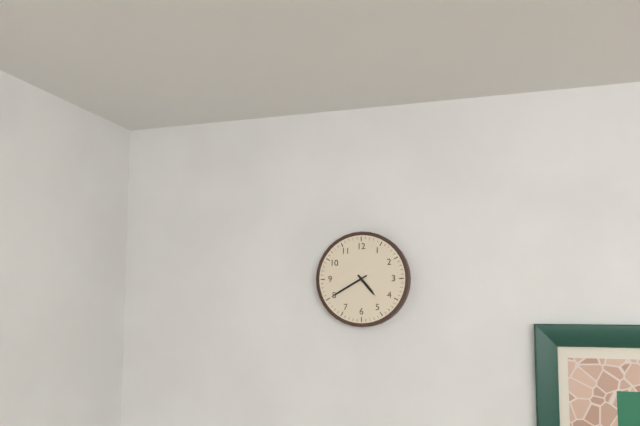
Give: 4h40
